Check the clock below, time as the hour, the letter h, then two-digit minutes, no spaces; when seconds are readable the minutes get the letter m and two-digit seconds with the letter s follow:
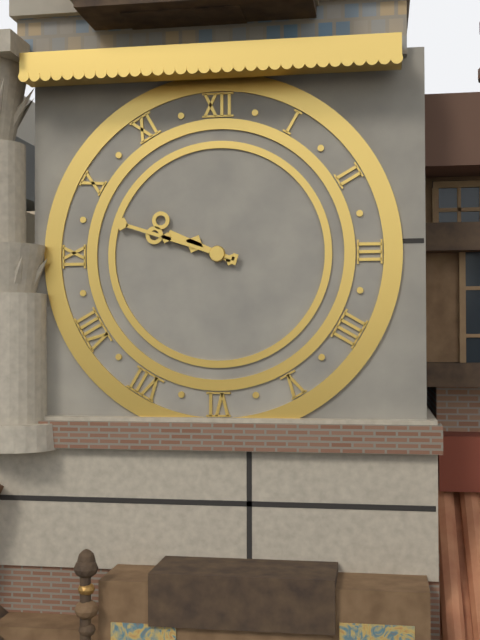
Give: 9h48
